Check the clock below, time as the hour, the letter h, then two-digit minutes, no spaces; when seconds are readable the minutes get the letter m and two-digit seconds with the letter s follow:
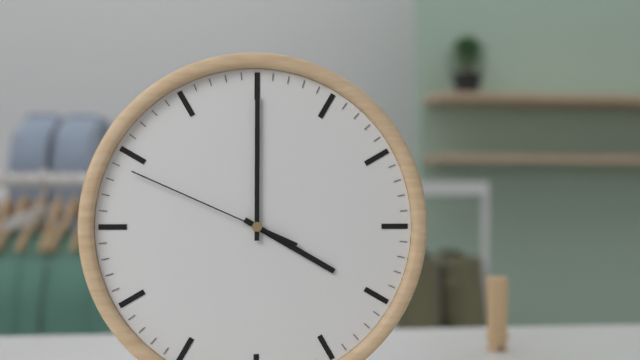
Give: 4h00m49s
